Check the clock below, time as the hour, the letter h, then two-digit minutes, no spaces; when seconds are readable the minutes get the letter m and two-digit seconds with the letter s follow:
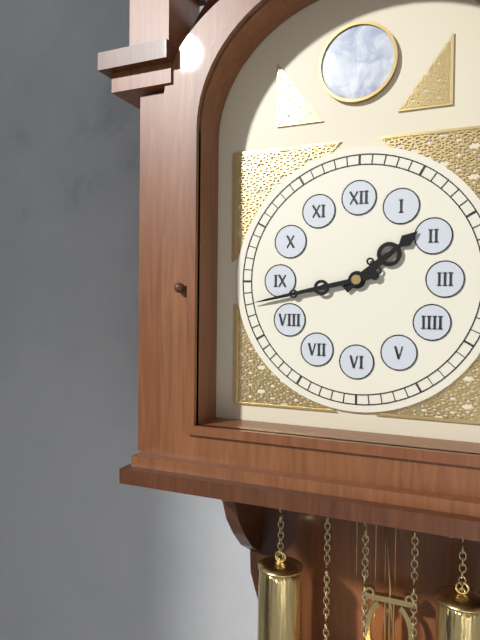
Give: 1h43
